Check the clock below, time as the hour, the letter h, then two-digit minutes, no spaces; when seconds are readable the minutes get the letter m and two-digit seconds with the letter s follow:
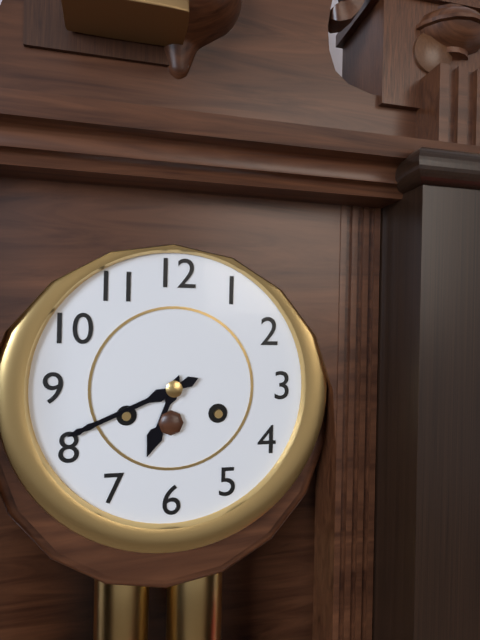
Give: 6h41
